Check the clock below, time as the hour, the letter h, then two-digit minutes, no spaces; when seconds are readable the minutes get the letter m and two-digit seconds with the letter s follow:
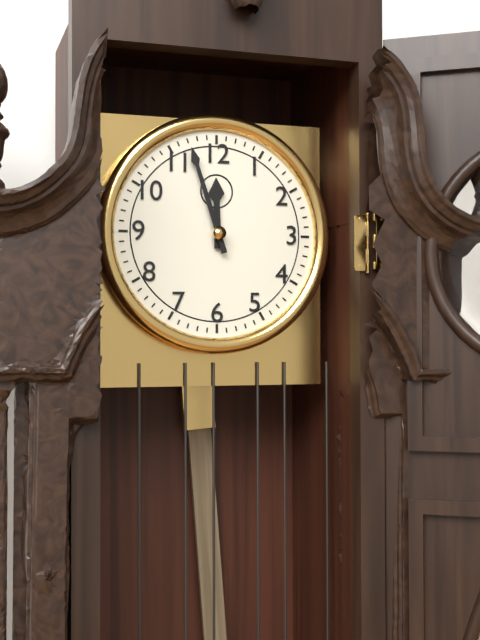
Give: 11h57
